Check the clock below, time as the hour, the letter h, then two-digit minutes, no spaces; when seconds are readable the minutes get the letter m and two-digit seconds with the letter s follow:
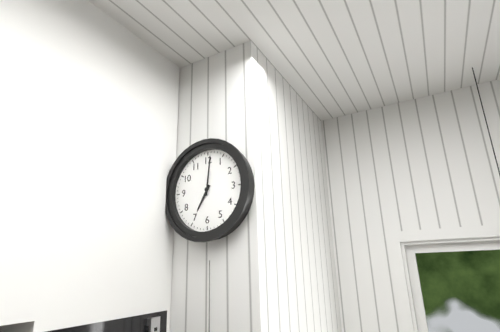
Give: 7h01
